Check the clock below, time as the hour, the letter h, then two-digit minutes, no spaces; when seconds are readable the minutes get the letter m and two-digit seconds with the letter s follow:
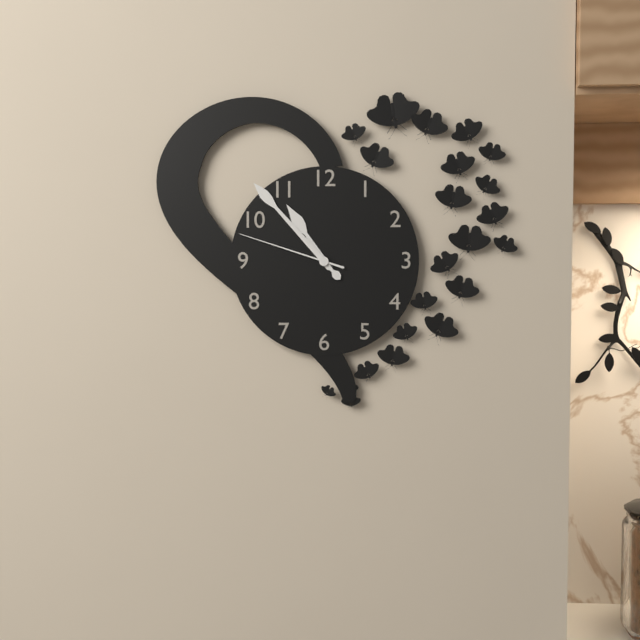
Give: 10h53m48s
